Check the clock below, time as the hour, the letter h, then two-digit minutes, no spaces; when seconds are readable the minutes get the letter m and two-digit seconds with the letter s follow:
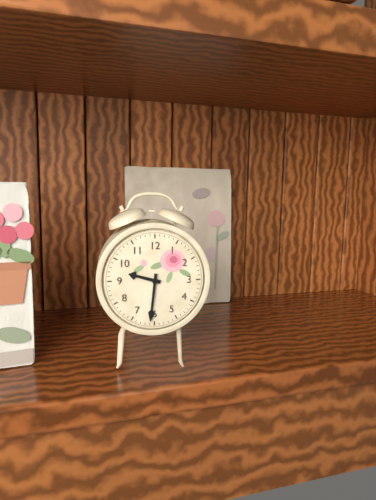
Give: 9h31
